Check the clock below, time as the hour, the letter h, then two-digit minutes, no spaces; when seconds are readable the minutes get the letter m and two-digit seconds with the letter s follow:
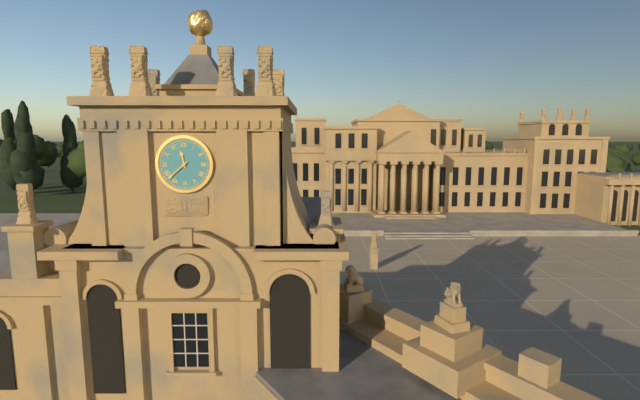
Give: 11h38
